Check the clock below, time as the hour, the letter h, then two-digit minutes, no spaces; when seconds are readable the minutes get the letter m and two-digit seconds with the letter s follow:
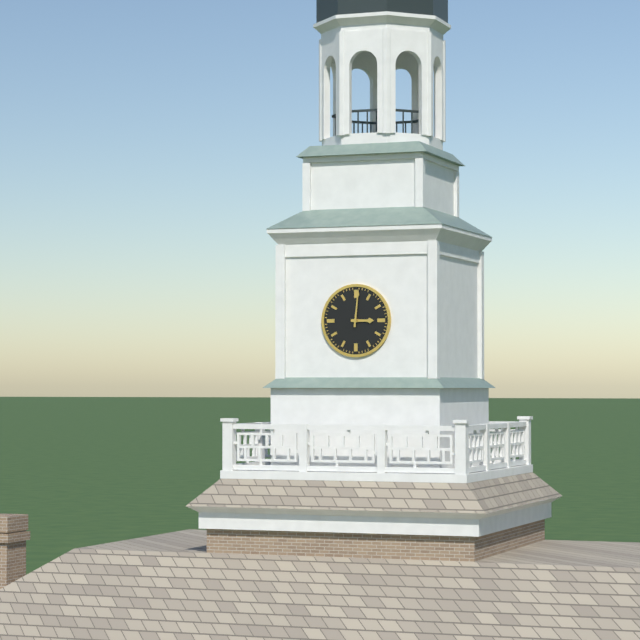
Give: 3h01
